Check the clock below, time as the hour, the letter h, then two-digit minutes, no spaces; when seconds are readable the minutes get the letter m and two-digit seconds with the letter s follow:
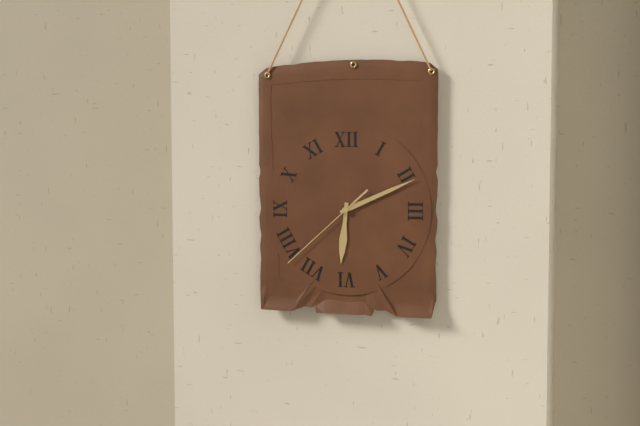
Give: 6h11m38s
